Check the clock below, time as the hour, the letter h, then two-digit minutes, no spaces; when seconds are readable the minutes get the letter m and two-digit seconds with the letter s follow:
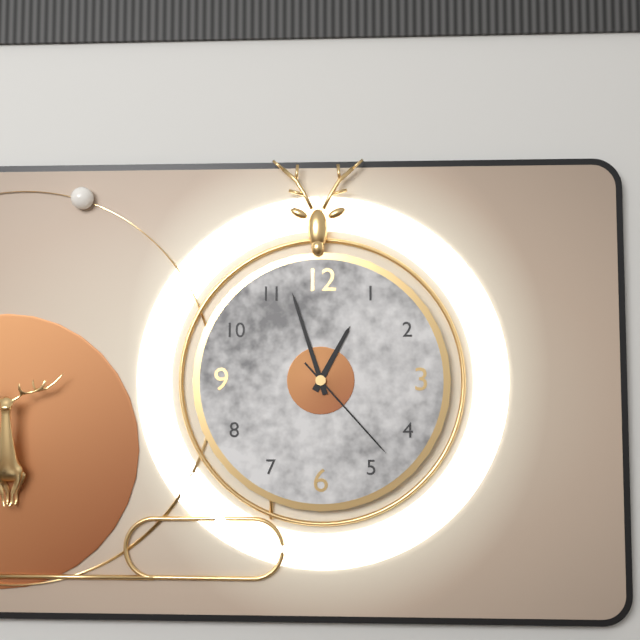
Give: 12h57m23s
